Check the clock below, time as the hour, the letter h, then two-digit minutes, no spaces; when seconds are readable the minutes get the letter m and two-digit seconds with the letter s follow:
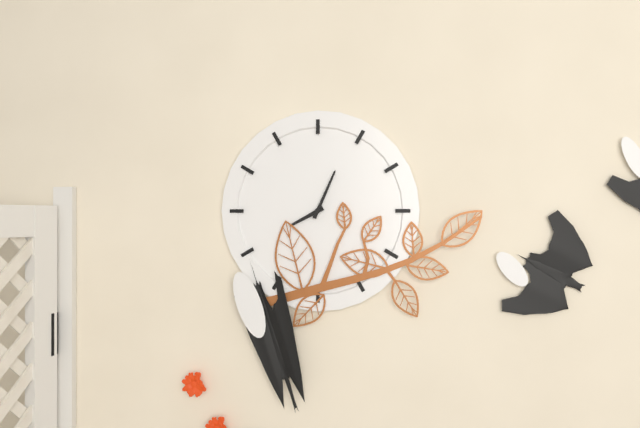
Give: 8h04
